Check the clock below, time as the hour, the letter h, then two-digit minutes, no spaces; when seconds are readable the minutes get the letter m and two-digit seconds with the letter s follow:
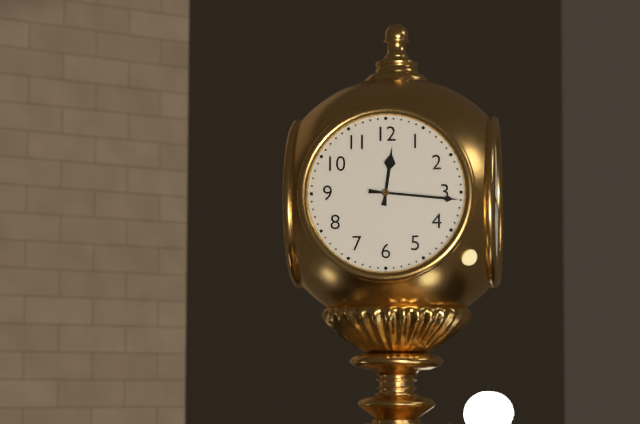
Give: 12h16
